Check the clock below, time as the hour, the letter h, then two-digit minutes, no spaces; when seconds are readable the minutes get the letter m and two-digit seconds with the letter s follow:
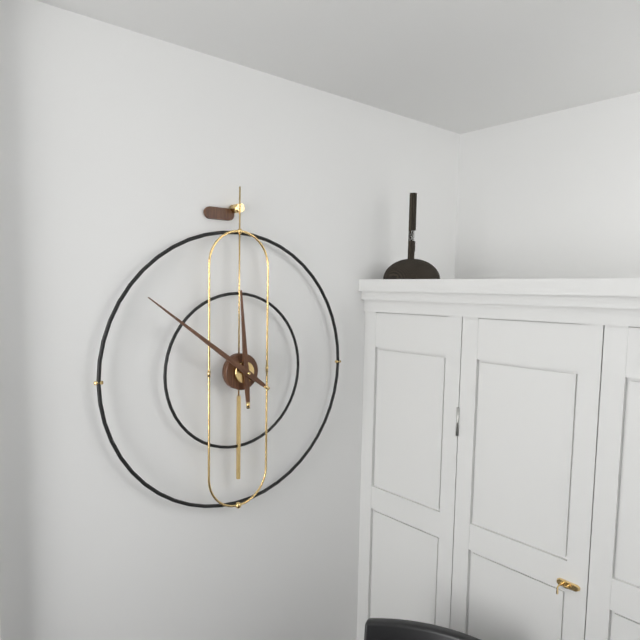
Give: 11h51
